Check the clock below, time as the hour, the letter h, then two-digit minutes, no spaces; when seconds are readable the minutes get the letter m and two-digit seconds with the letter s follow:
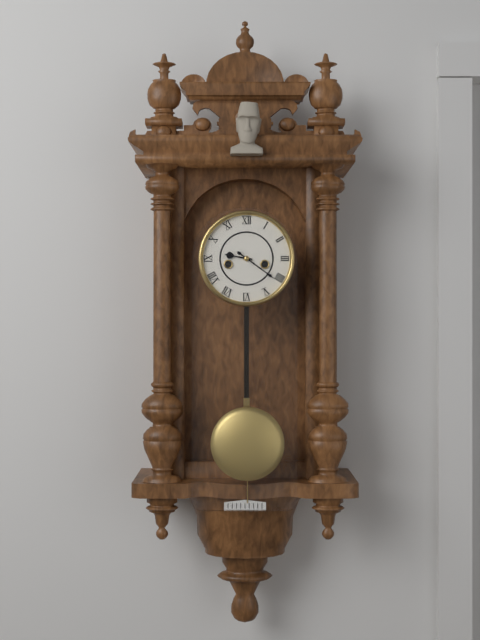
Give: 9h21
